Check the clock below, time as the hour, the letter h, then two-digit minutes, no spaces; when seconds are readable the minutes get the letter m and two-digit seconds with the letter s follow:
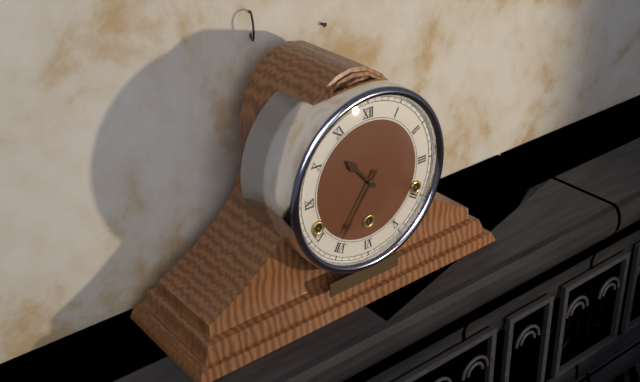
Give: 10h36
